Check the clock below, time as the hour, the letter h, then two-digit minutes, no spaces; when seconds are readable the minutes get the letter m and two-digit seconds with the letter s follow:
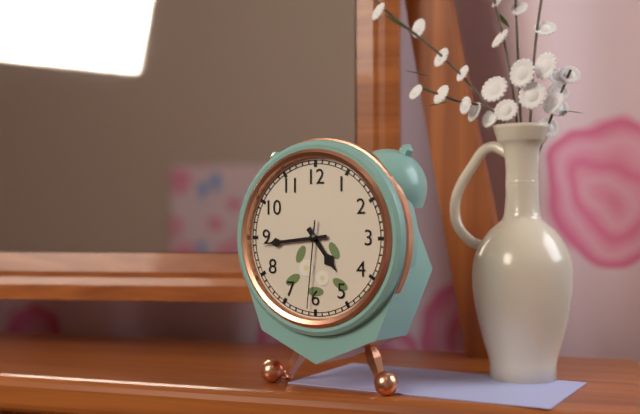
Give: 4h44m31s
